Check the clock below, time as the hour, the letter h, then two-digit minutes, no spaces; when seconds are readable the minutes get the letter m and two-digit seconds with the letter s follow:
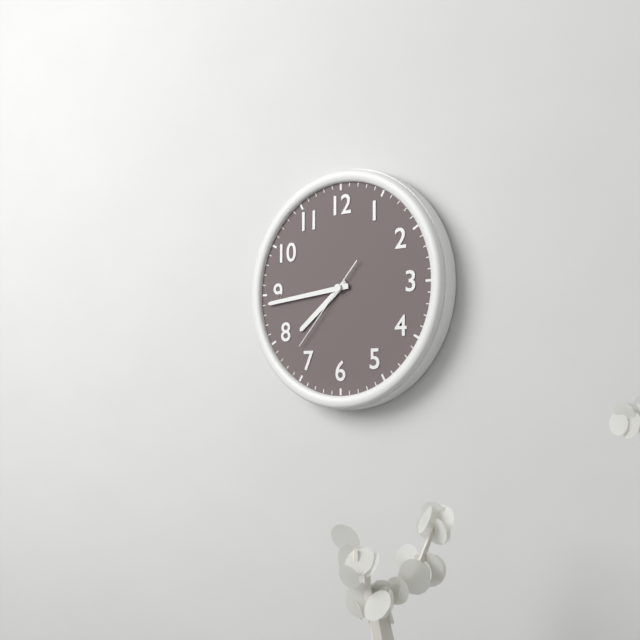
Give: 7h44m37s
